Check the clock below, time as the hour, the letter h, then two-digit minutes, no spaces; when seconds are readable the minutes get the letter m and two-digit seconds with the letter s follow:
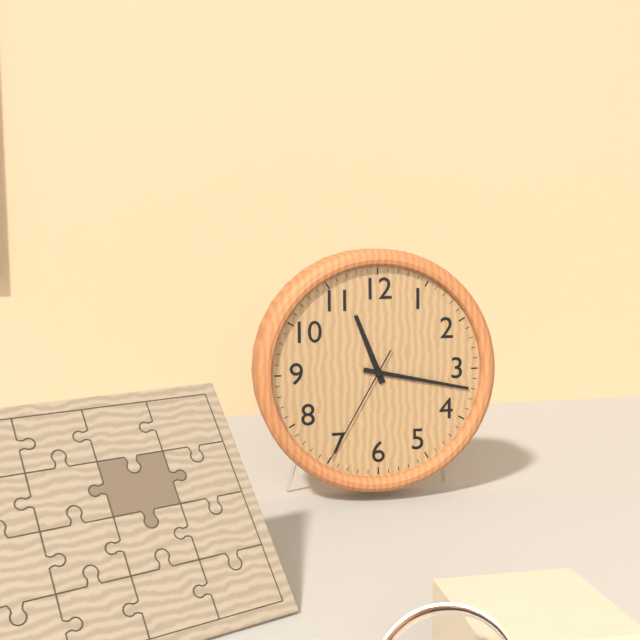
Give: 11h17m35s
